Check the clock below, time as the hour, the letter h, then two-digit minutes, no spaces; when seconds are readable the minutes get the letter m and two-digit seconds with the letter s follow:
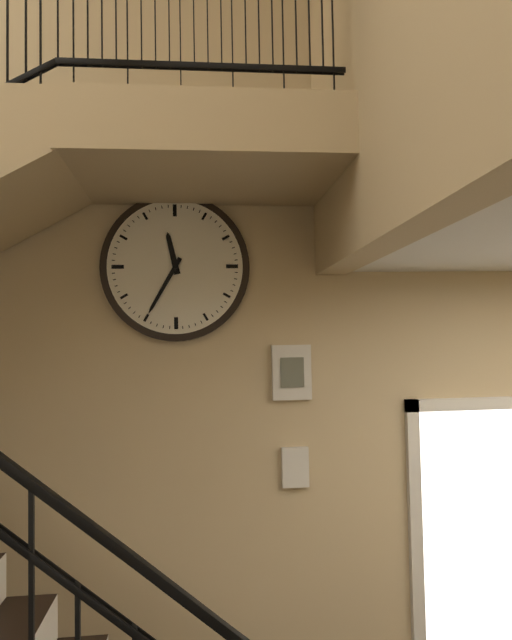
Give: 11h35
